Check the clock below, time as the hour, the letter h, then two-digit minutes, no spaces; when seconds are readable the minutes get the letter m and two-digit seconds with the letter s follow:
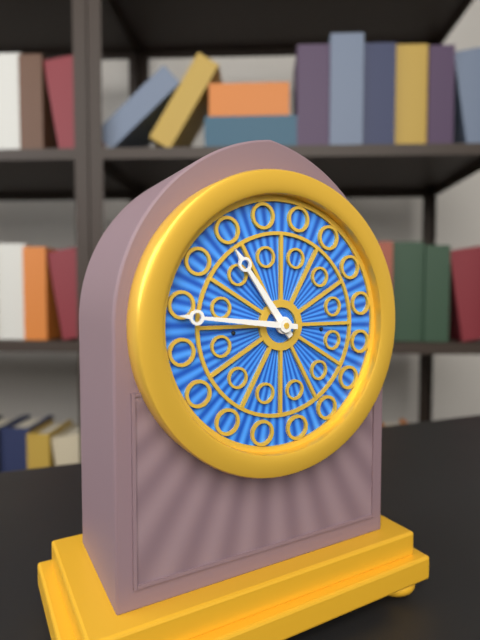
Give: 10h46
